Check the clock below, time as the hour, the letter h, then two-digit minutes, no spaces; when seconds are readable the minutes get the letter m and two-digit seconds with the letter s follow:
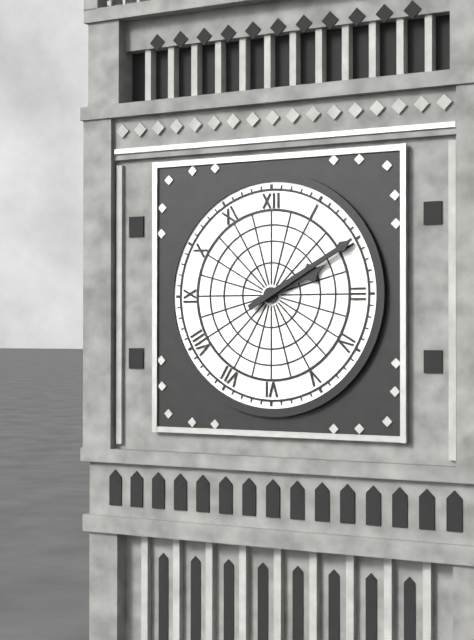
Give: 2h10
